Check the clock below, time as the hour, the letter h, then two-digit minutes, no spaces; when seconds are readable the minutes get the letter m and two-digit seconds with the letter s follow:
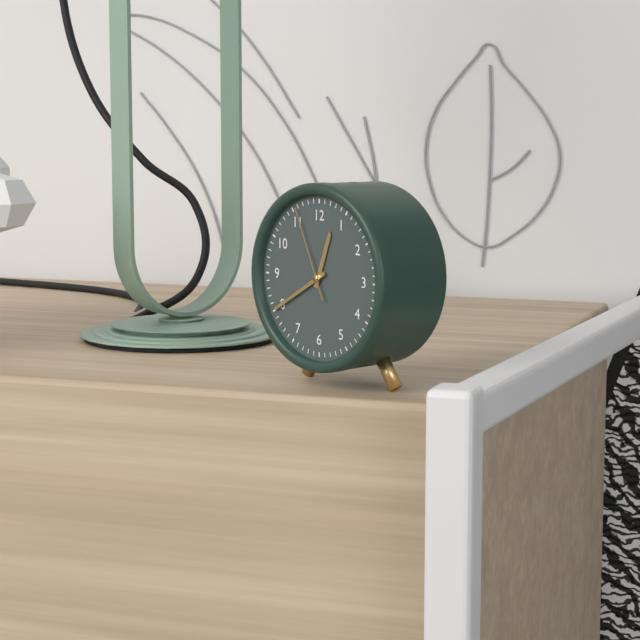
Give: 12h40m56s
